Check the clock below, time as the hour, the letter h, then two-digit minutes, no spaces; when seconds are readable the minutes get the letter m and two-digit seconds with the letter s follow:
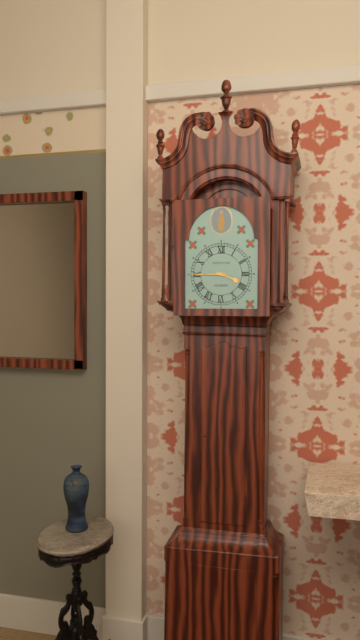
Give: 3h45
